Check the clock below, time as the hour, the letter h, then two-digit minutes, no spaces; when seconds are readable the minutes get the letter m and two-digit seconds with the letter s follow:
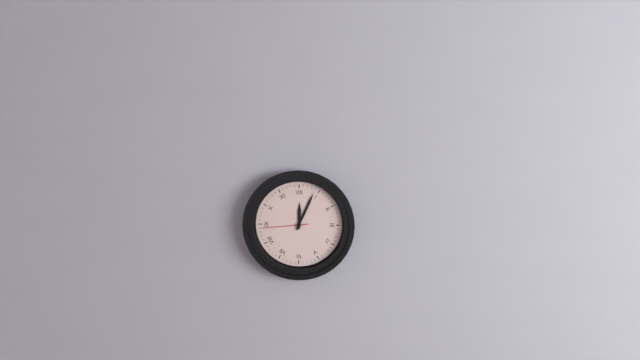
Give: 12h04
